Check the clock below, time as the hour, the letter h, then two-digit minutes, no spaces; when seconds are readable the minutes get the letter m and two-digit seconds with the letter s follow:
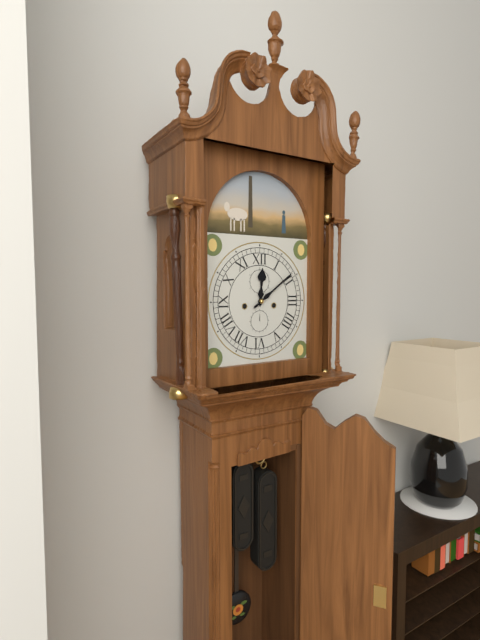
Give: 12h09
